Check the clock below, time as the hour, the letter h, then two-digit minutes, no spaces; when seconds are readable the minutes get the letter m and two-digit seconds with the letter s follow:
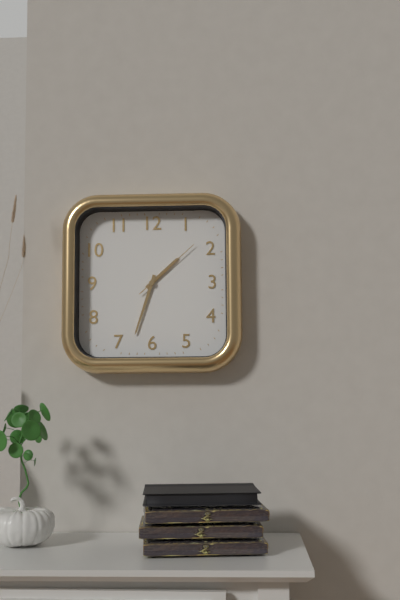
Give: 1h33m08s
